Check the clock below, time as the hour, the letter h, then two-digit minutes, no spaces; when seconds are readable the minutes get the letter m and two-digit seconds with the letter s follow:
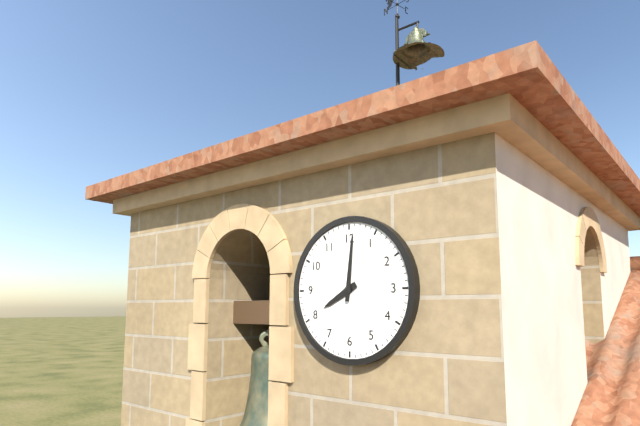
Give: 8h01
